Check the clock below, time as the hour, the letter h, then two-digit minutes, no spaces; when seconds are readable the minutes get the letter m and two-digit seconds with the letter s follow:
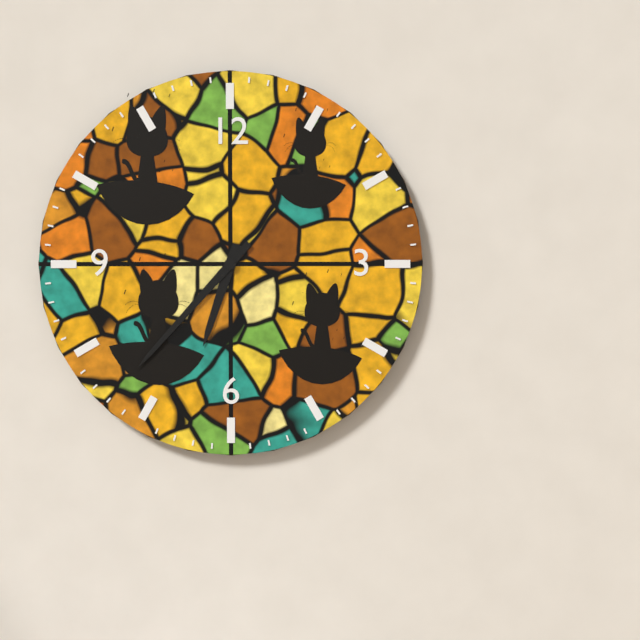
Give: 6h37
